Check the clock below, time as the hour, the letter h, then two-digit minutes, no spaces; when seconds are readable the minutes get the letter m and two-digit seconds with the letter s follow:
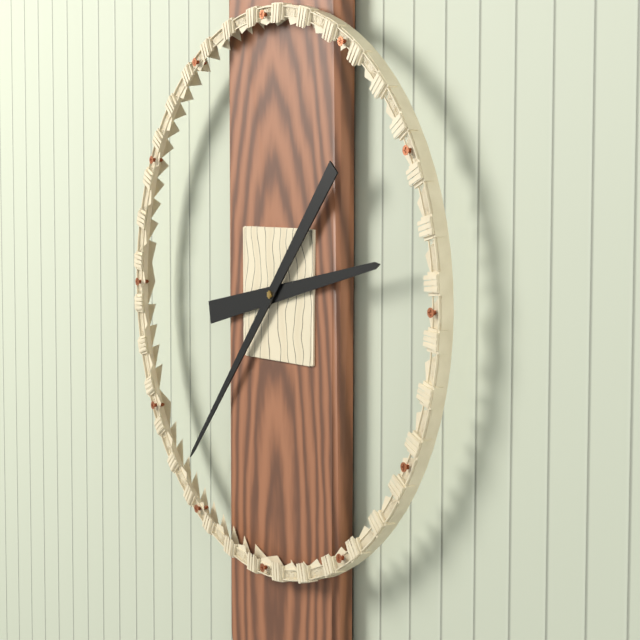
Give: 2h37
